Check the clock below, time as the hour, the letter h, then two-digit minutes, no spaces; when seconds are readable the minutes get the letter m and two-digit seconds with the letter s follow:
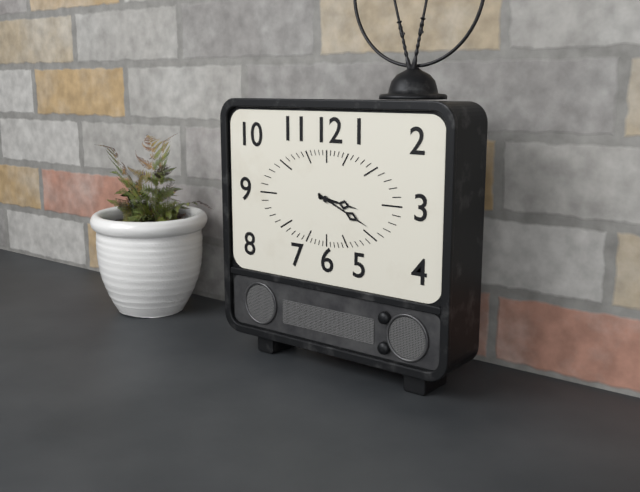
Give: 3h19
